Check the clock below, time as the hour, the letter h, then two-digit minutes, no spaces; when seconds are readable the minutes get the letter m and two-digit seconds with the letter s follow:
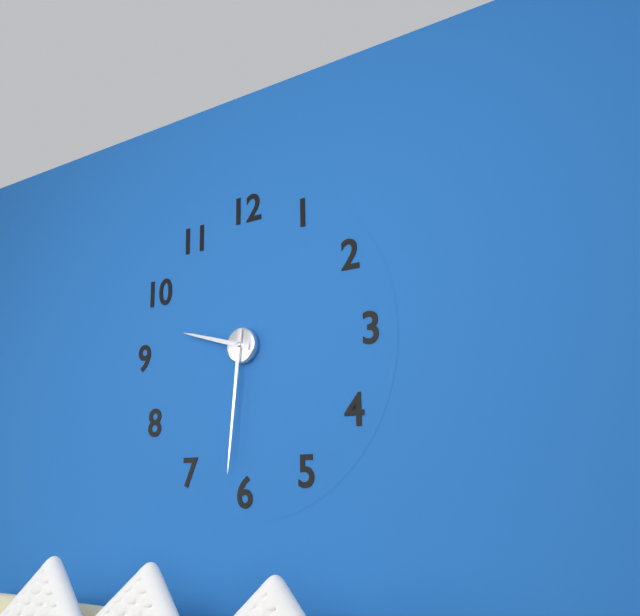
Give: 9h31
